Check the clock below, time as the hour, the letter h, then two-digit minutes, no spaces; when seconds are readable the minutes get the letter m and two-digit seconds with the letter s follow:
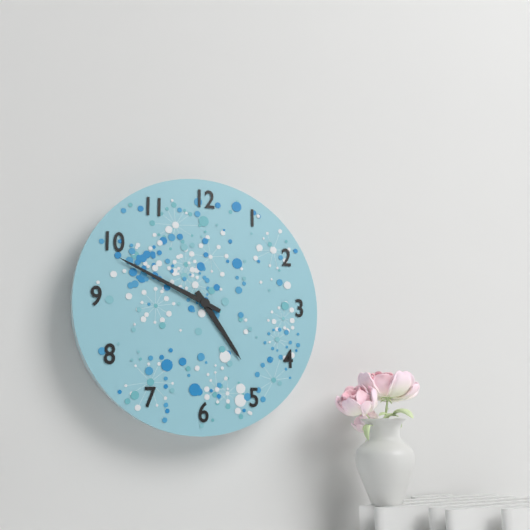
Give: 4h49
